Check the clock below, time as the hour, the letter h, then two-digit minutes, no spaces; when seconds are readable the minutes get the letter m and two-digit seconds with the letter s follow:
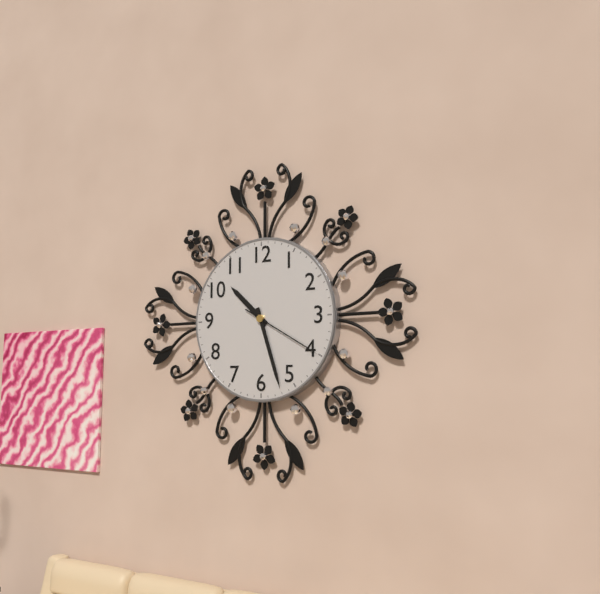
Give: 10h27m20s
